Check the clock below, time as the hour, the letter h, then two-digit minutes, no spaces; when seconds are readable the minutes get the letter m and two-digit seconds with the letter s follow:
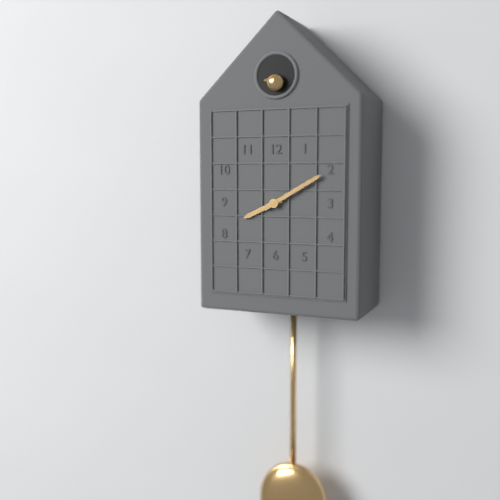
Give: 8h10
